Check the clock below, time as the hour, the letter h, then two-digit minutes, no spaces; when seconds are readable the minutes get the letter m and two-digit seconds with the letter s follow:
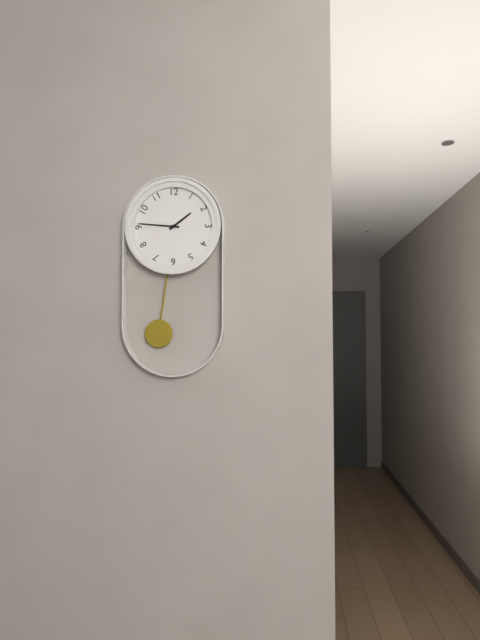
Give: 1h46
